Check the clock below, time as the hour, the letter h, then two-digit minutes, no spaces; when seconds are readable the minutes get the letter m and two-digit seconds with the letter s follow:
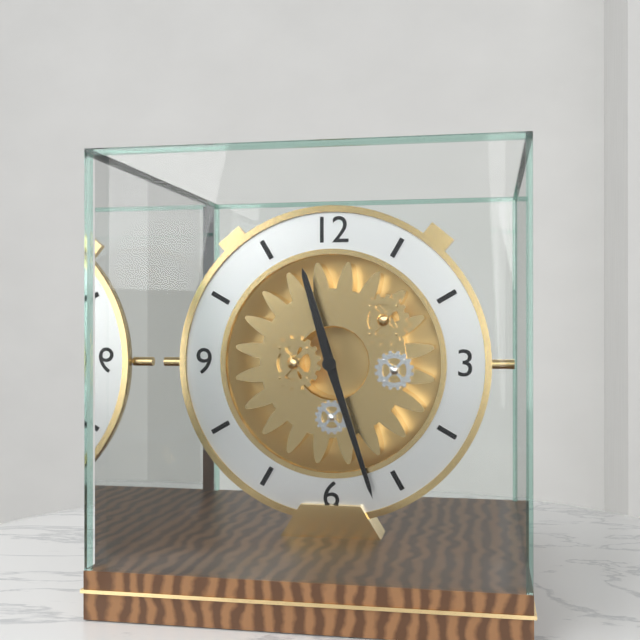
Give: 11h27
